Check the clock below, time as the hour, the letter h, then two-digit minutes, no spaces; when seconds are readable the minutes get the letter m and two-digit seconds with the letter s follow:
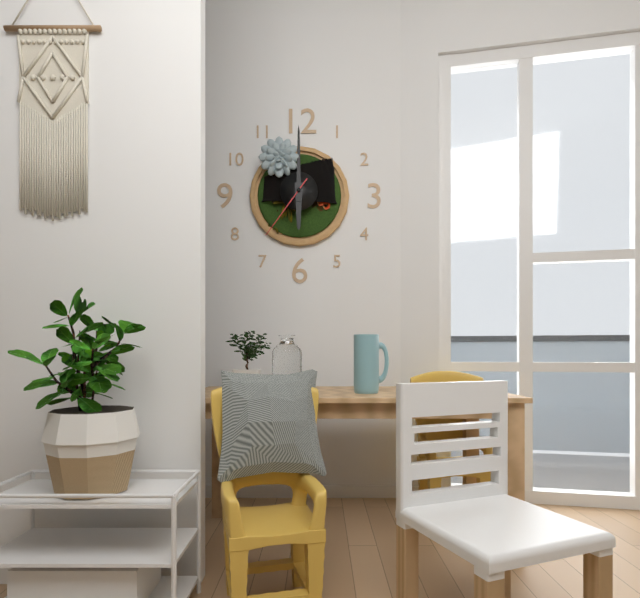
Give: 6h00m36s
